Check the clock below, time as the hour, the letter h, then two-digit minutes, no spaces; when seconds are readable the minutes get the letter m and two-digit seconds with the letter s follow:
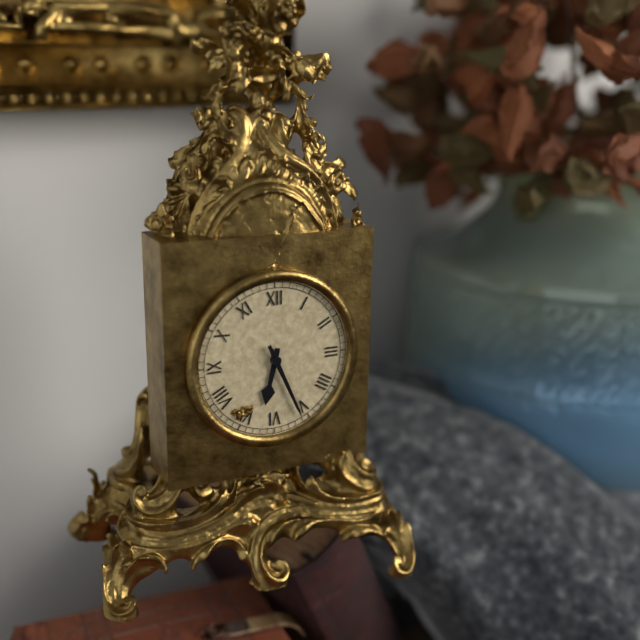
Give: 6h26
